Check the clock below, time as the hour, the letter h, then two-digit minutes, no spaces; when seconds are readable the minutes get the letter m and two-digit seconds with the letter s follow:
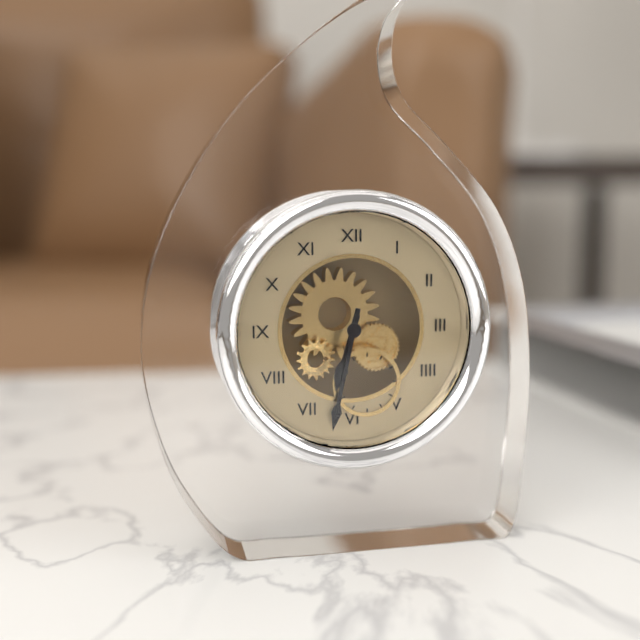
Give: 6h32
